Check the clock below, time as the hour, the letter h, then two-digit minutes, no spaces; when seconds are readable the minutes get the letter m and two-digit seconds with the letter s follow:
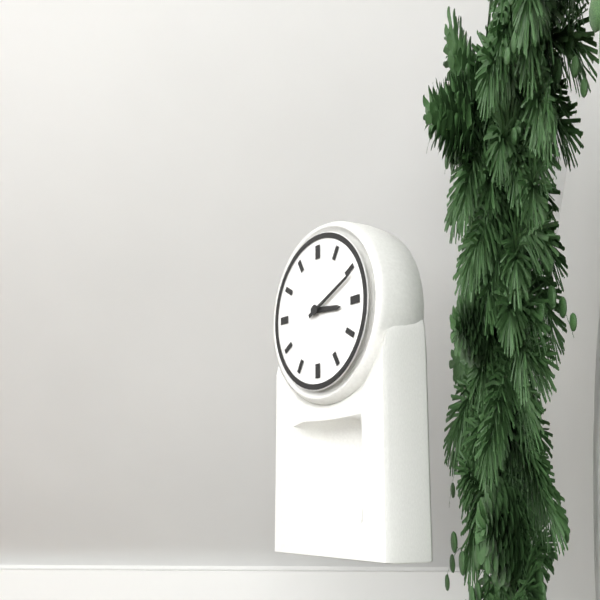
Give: 3h11
